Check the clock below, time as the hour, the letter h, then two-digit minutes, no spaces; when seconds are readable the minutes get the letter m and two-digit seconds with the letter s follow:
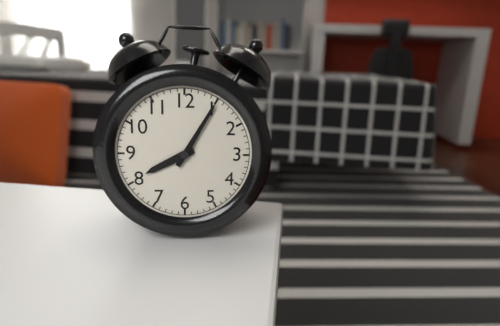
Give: 8h05
